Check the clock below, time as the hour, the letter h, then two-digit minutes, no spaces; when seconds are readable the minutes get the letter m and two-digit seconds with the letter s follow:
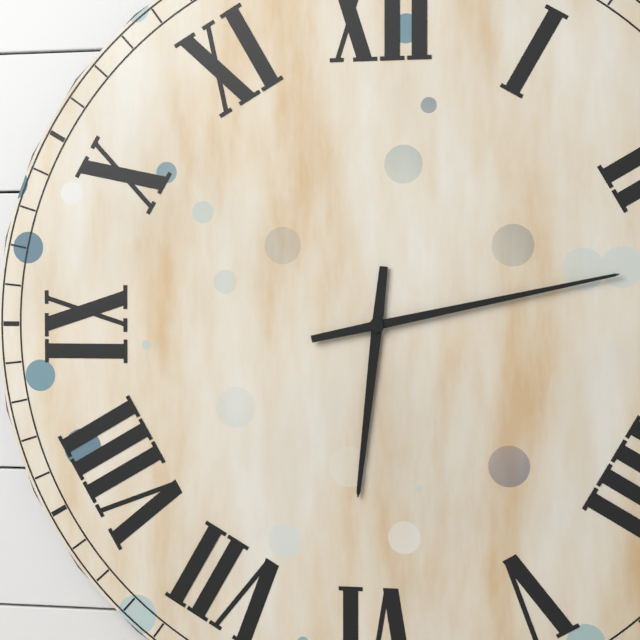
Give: 6h13
